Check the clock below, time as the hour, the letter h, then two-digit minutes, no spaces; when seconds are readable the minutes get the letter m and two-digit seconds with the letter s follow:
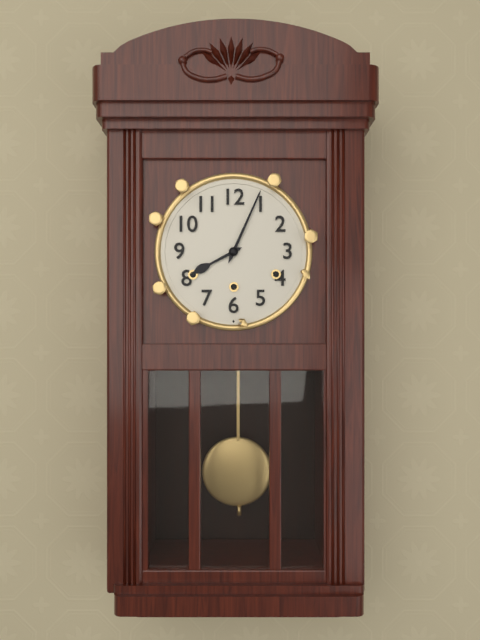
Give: 8h04
